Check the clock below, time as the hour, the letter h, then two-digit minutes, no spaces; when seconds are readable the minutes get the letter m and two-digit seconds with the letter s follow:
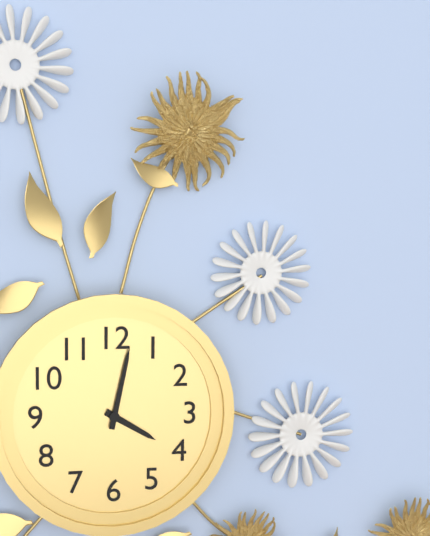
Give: 4h02
